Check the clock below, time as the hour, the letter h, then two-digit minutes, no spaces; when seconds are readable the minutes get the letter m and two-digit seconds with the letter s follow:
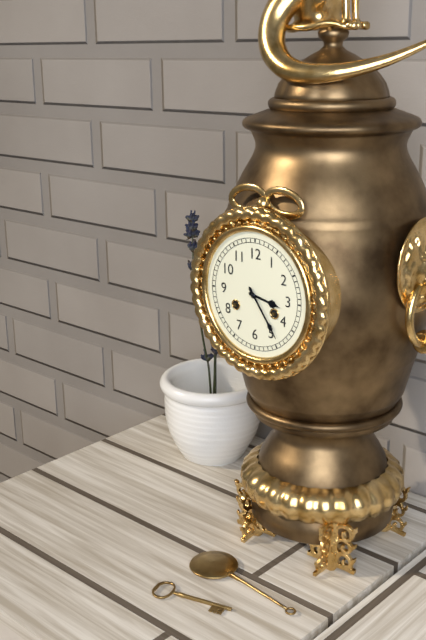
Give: 3h24
